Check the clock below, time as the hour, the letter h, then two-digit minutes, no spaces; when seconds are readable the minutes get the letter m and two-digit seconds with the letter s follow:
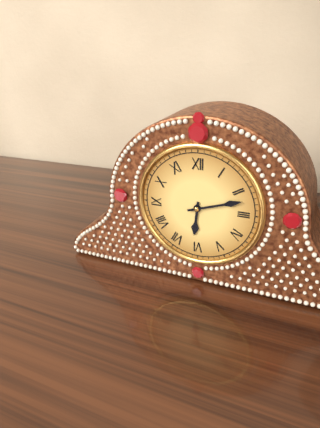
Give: 6h12
